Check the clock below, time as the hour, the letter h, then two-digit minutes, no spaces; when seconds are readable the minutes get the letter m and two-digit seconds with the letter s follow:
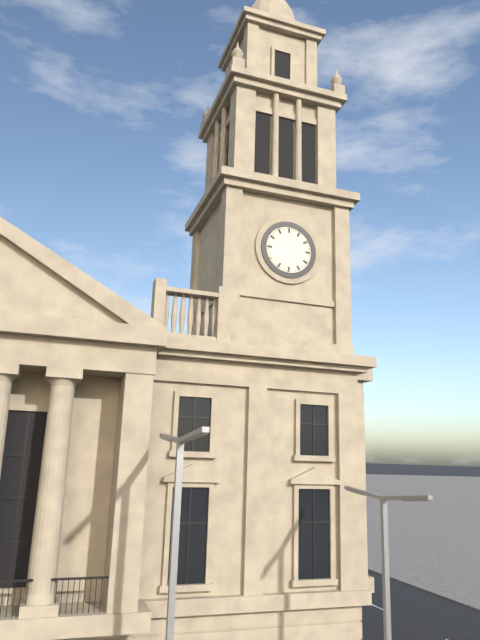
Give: 7h40
